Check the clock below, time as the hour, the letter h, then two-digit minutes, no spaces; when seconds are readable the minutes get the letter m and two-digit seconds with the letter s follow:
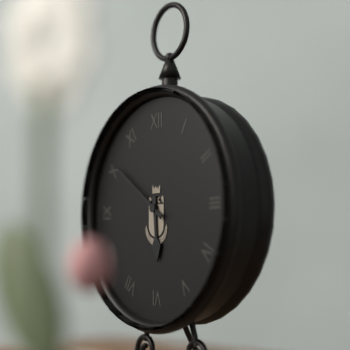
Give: 5h51
